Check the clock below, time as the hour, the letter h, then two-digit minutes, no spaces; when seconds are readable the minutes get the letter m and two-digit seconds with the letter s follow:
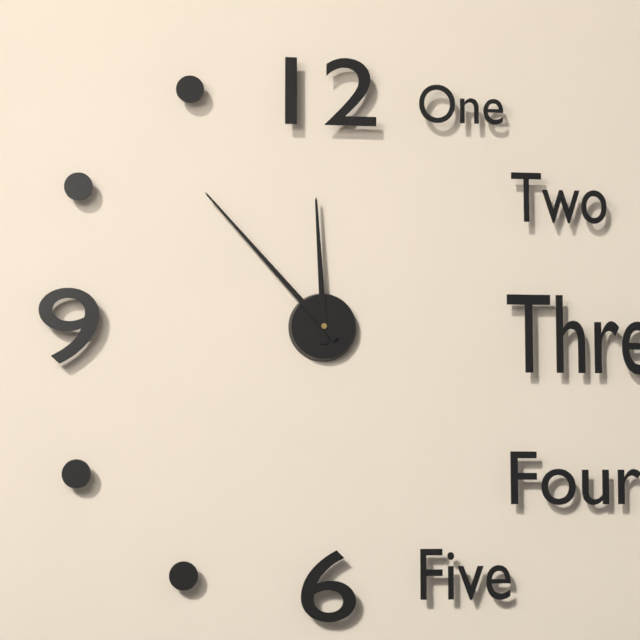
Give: 11h53
